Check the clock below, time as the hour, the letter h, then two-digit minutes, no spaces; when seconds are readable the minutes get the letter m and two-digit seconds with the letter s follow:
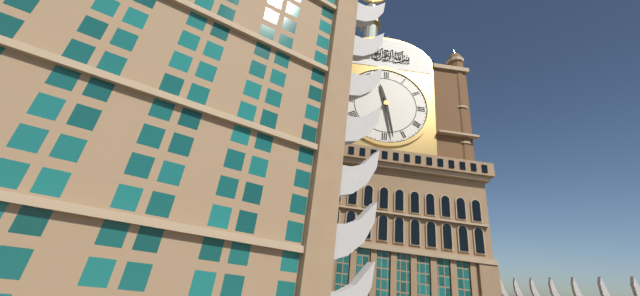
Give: 11h28
